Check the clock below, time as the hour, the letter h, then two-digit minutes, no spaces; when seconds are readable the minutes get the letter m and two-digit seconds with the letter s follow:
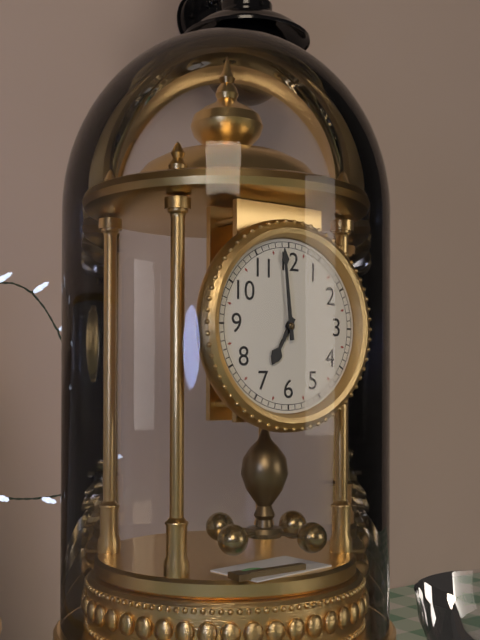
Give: 6h59
